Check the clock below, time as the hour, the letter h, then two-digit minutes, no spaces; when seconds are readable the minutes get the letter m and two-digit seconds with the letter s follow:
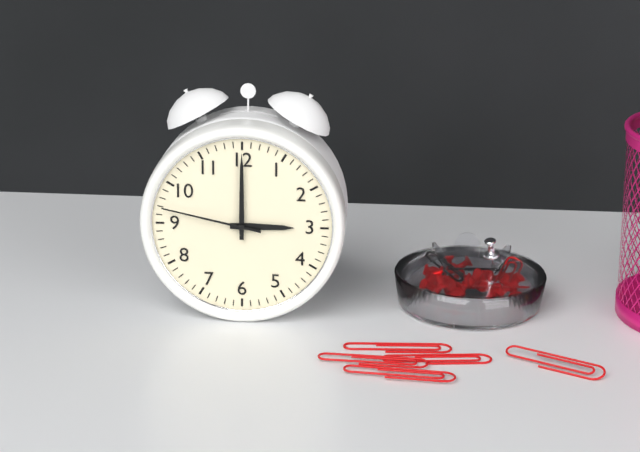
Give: 3h00m47s
